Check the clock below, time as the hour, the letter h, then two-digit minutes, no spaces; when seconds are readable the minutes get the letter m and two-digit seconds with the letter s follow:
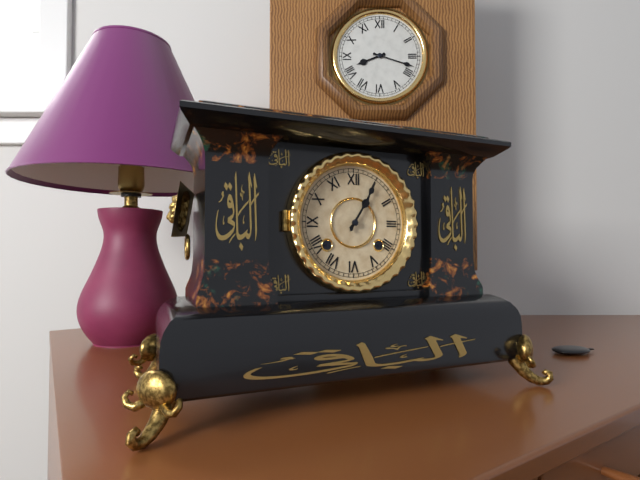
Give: 1h05
